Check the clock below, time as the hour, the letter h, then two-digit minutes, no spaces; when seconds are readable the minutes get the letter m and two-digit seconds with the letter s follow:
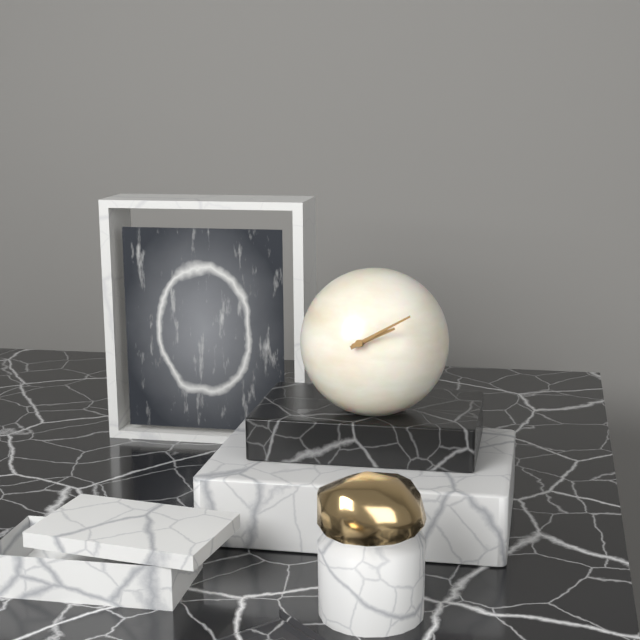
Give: 2h10
